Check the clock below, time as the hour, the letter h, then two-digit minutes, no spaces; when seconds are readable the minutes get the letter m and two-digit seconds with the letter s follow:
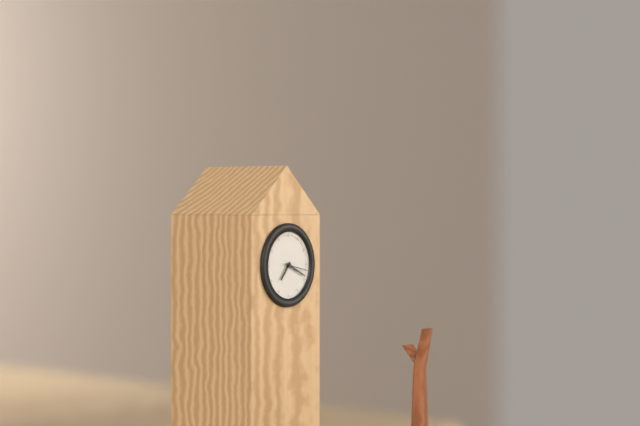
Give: 7h19
